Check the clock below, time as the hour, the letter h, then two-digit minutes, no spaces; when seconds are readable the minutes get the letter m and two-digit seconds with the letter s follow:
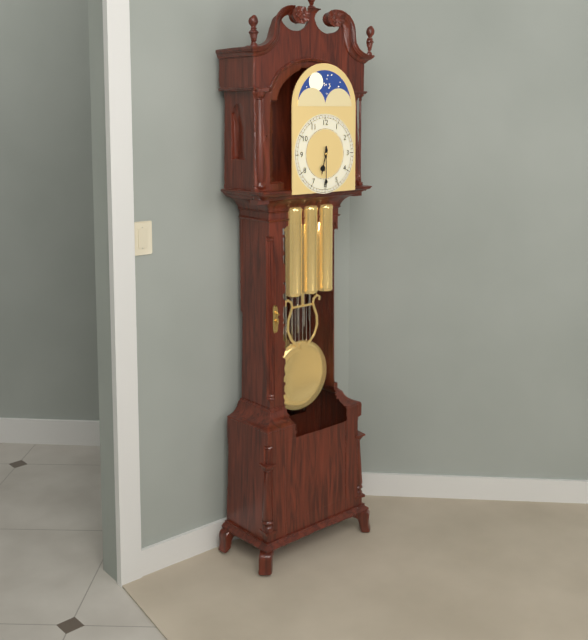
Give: 6h30
